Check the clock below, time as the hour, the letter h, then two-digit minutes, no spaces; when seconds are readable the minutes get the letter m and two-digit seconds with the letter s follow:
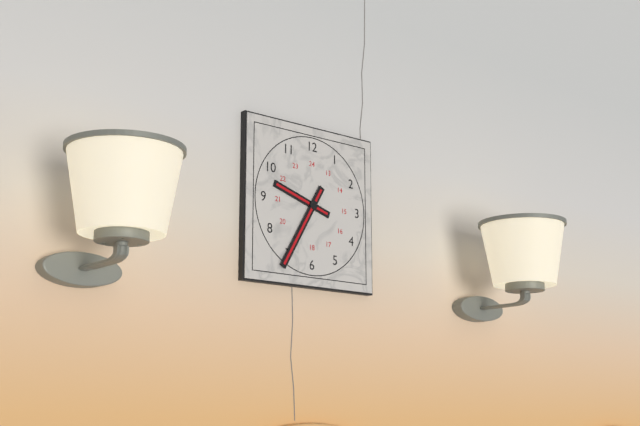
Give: 9h35
